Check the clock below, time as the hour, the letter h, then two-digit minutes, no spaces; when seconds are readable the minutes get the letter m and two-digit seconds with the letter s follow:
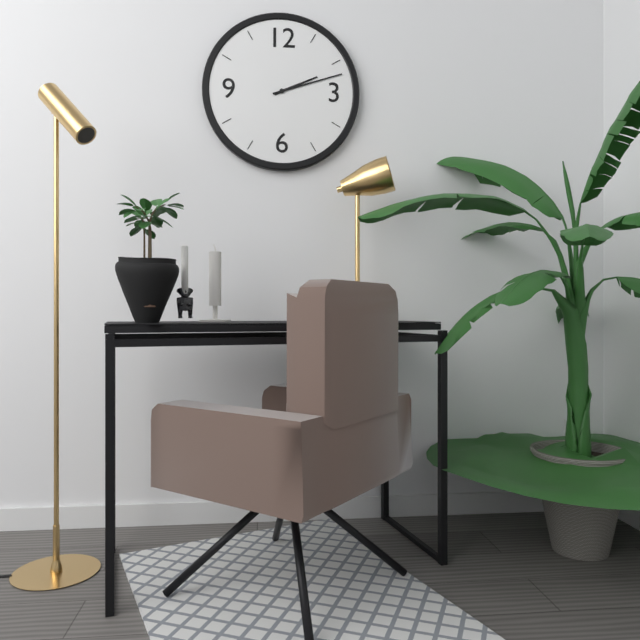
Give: 2h12
